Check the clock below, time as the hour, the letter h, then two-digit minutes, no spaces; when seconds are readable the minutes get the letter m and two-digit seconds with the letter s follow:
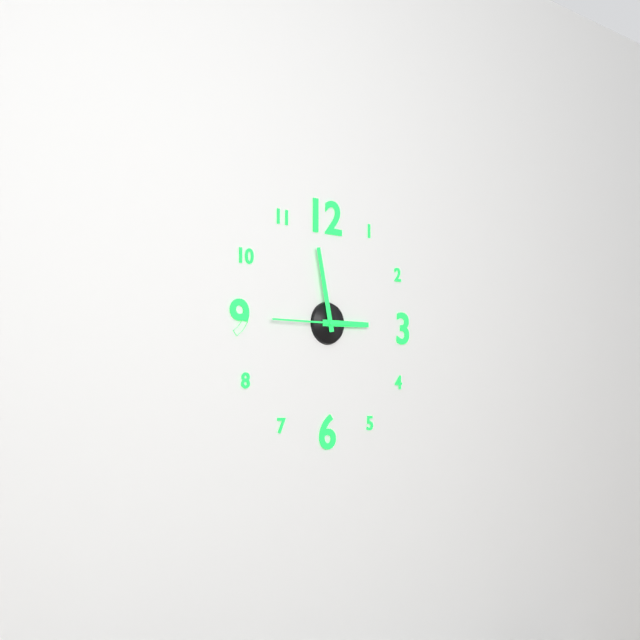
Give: 2h58m45s
